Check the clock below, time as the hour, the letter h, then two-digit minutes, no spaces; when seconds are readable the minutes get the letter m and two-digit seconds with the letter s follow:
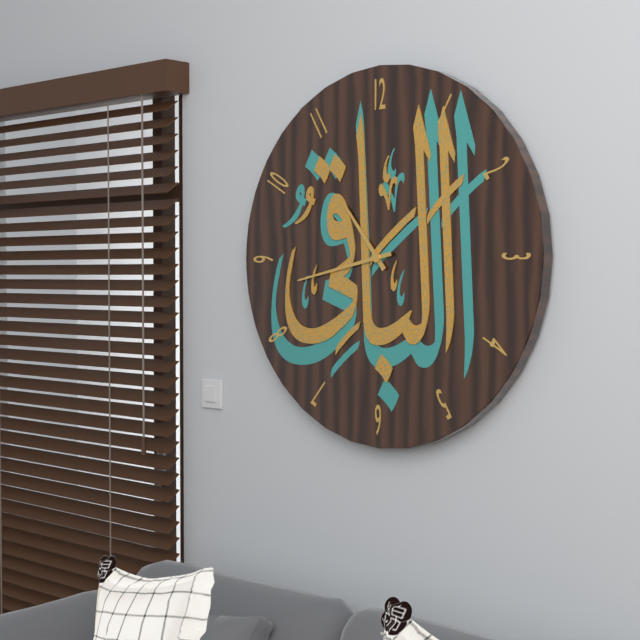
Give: 10h43
